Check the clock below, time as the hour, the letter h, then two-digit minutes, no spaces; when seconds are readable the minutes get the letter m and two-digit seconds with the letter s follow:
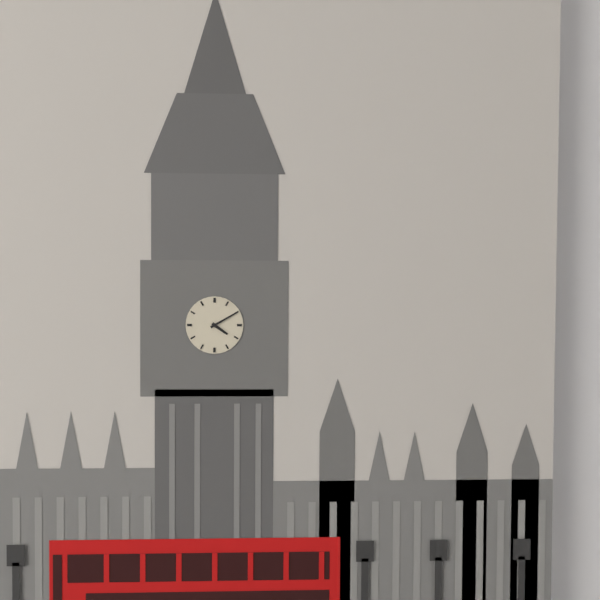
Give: 4h10
